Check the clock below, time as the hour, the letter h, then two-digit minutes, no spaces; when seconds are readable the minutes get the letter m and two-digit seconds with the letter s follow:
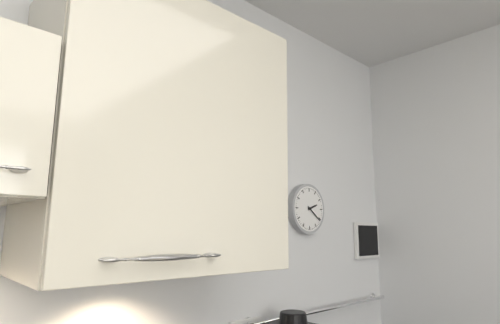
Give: 2h21
